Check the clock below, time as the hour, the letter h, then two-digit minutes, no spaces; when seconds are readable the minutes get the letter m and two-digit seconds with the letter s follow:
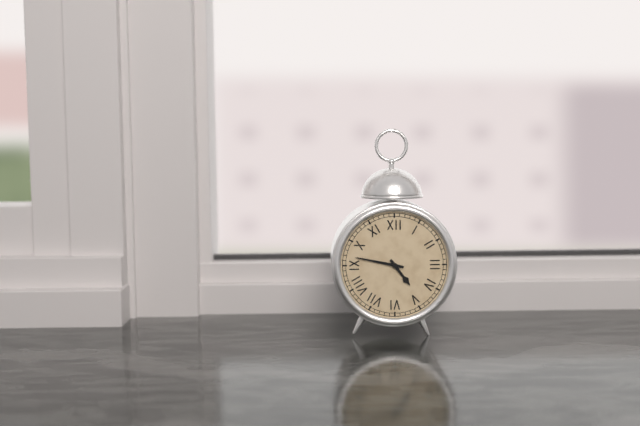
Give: 4h47
